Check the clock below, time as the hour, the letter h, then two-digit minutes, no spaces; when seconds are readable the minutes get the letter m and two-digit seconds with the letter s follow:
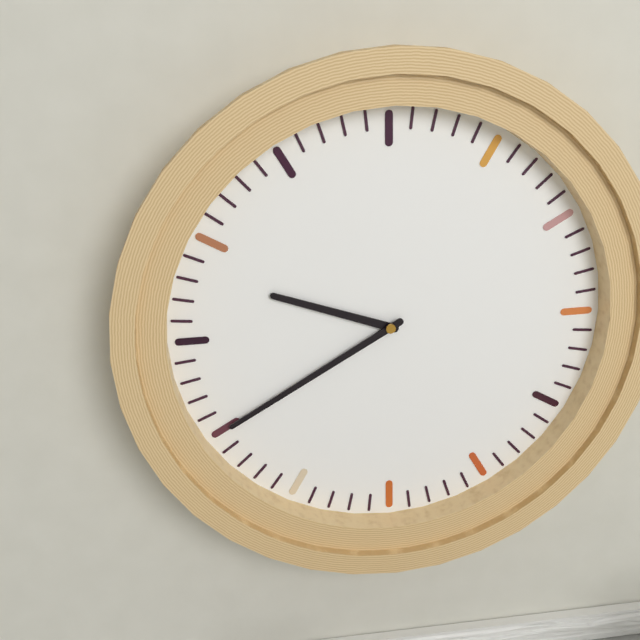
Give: 9h40
